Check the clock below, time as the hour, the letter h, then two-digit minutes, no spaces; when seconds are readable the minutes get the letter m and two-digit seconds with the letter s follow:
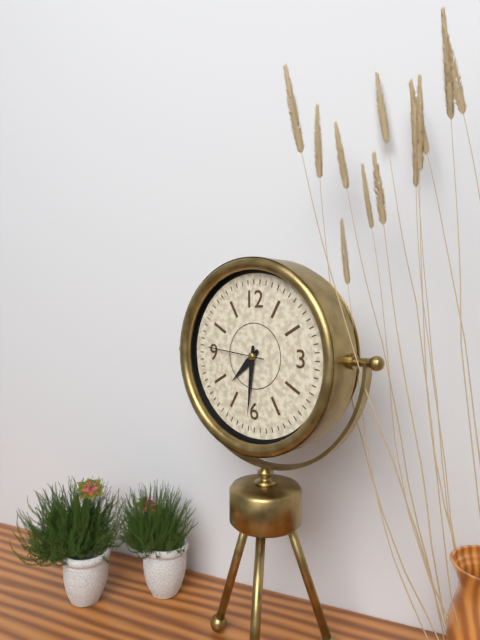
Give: 7h31m46s
